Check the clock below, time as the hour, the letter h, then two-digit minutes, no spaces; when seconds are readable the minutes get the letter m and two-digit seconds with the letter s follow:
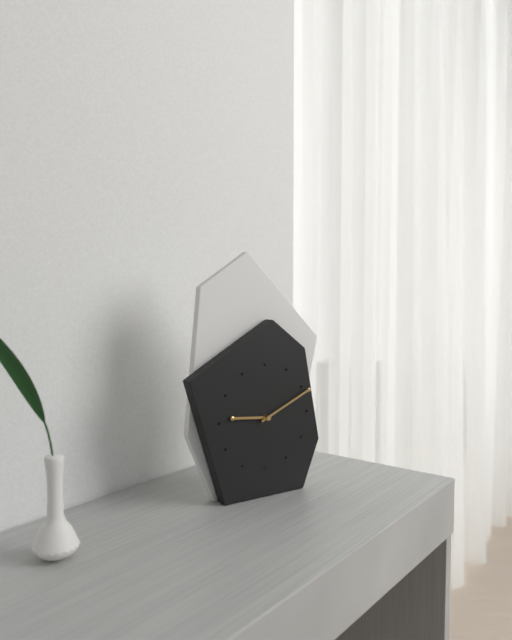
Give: 9h11
